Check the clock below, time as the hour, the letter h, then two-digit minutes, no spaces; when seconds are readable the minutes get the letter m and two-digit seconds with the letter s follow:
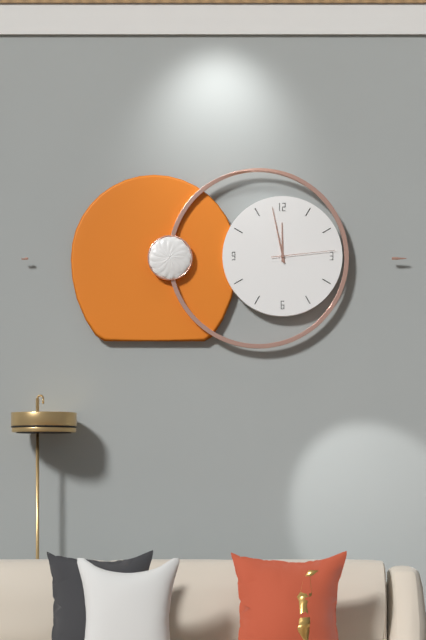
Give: 11h58m14s
